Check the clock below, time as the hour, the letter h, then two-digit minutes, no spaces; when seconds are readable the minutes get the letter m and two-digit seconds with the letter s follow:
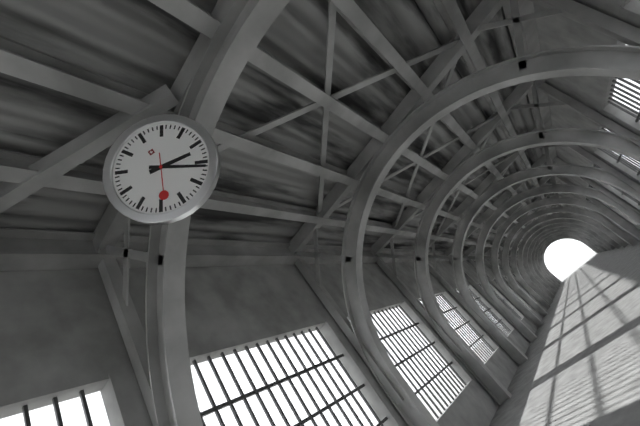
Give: 3h21
